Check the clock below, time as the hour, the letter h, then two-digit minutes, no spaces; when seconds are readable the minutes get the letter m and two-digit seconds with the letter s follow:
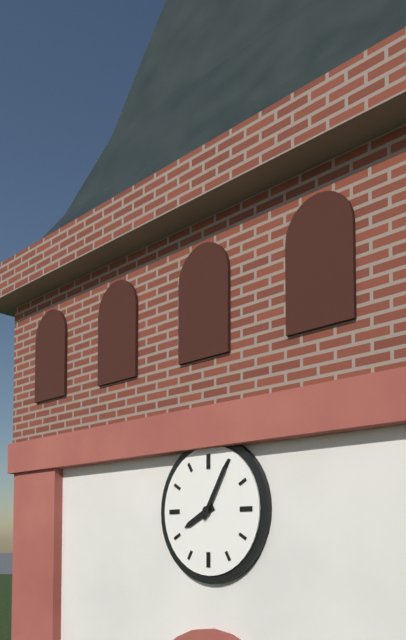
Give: 8h05
